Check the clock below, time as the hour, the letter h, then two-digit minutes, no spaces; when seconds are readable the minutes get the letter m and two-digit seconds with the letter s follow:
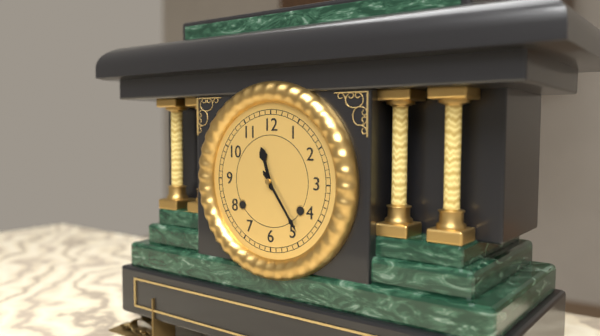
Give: 11h24
